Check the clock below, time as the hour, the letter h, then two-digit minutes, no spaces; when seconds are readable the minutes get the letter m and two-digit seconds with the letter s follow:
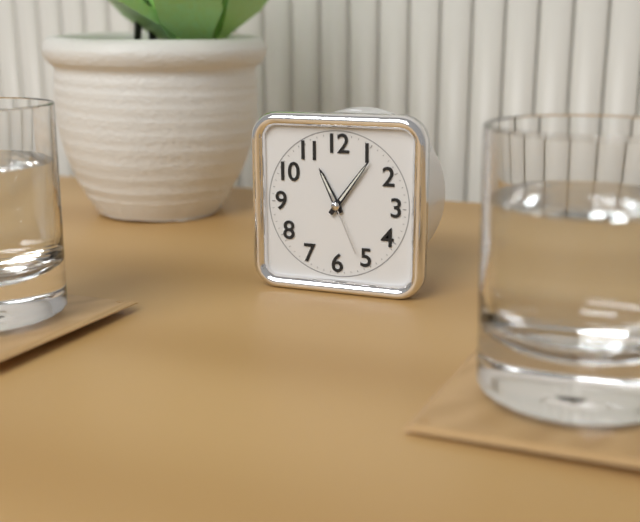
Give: 11h06m26s
